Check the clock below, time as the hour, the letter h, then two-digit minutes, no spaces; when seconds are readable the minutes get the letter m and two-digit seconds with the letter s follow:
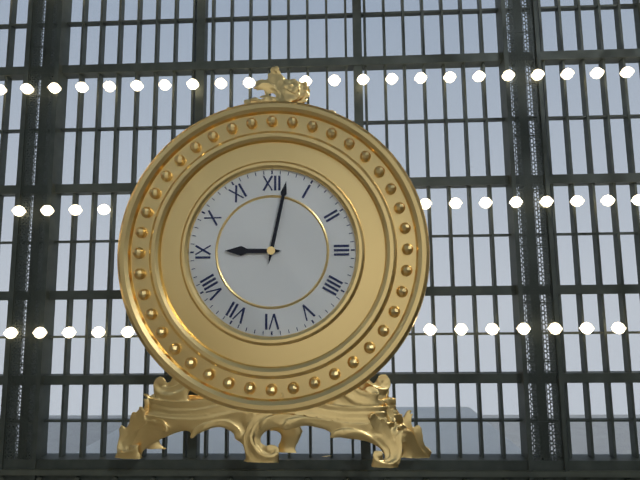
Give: 9h02
